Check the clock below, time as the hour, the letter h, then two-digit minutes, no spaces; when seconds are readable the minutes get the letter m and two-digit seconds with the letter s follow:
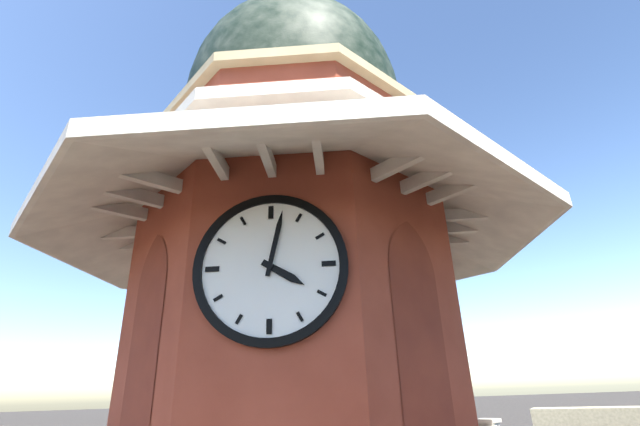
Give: 4h02
